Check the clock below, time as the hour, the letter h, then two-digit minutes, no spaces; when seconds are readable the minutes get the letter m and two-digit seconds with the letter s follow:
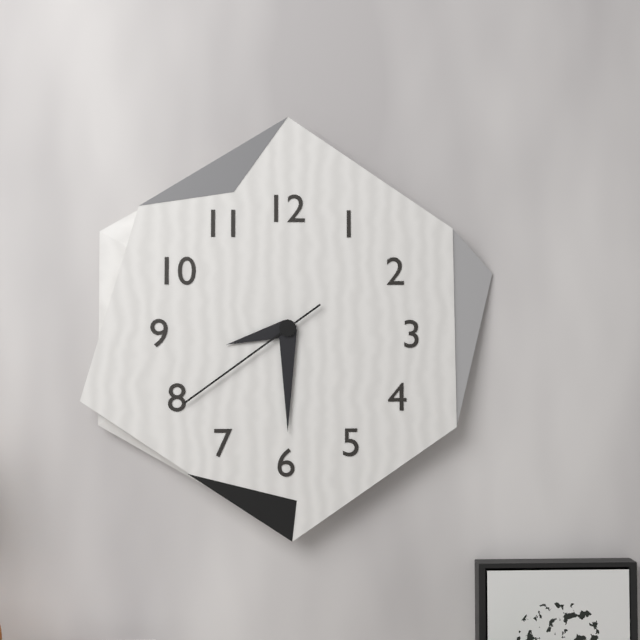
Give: 8h30m39s
